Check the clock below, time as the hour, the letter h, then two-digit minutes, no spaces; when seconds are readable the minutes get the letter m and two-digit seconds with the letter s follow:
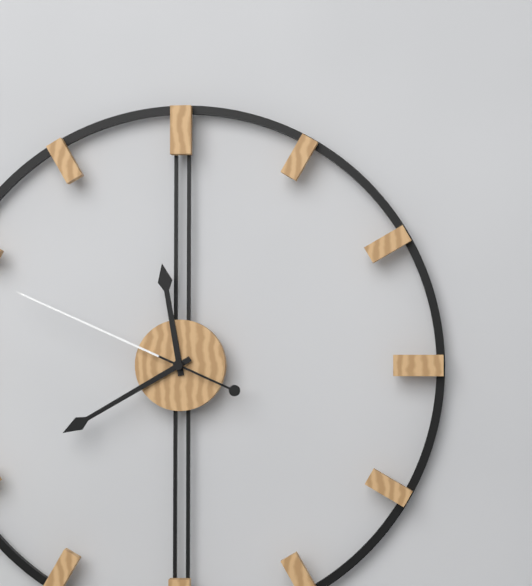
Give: 11h40m49s
